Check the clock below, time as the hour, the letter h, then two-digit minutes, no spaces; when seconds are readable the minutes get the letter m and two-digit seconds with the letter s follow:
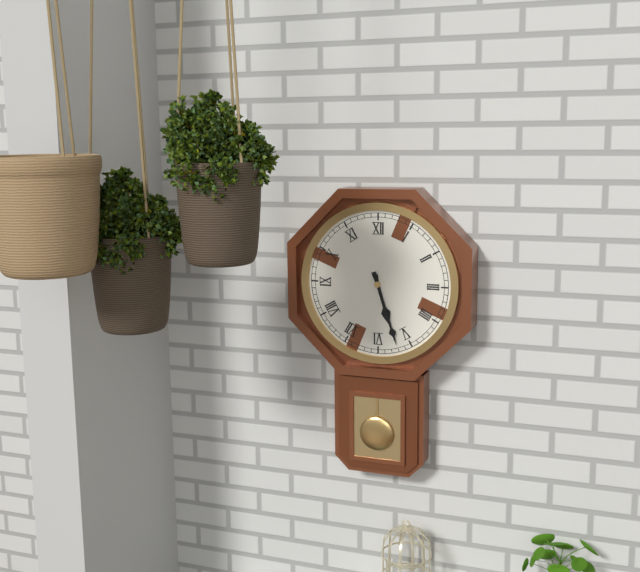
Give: 5h27
